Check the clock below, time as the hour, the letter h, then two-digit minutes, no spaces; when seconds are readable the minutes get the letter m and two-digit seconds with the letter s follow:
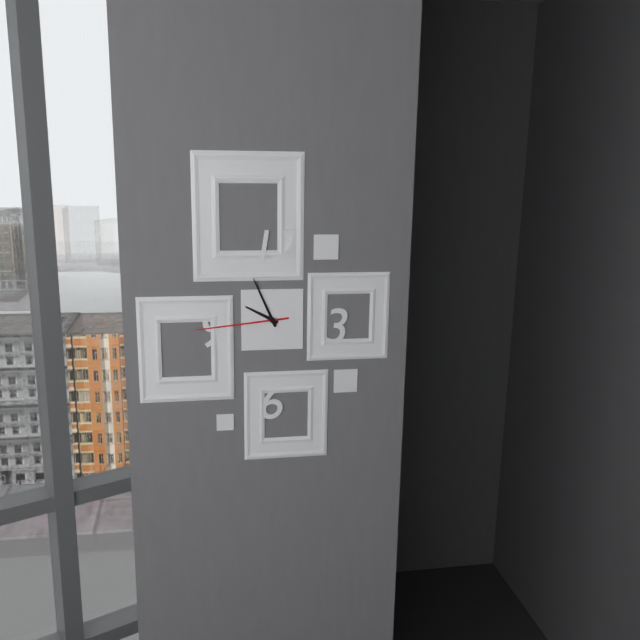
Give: 9h56m44s
